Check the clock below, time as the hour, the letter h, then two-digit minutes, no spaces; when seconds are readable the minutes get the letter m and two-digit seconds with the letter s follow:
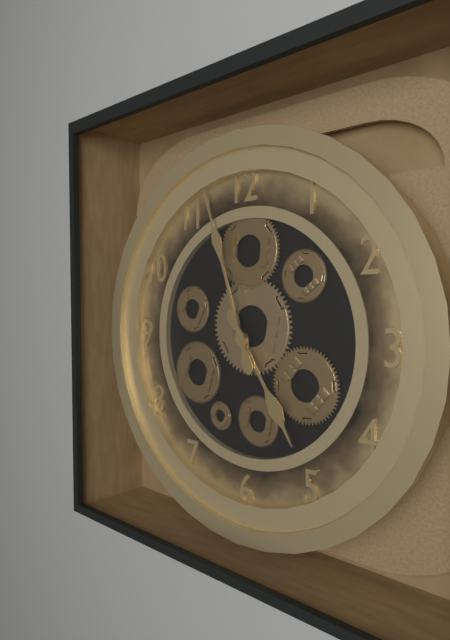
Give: 4h57
